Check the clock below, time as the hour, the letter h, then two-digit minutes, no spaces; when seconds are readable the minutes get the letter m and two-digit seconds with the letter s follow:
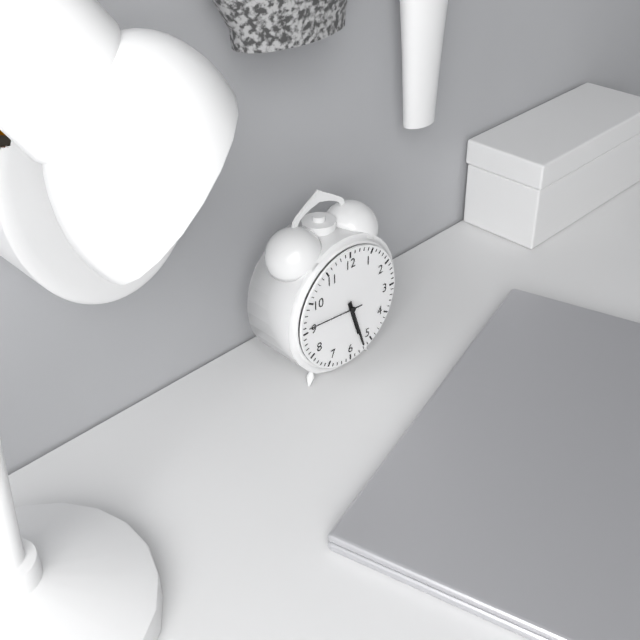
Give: 5h27m46s
